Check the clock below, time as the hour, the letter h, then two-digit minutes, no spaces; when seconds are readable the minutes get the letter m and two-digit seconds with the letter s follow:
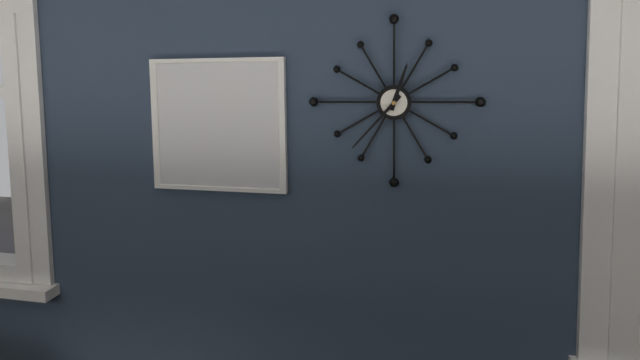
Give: 12h37
